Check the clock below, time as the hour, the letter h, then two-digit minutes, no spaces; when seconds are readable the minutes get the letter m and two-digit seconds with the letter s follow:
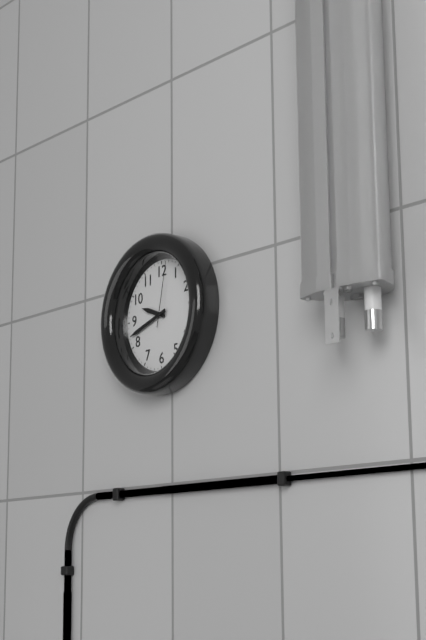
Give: 9h42m02s
